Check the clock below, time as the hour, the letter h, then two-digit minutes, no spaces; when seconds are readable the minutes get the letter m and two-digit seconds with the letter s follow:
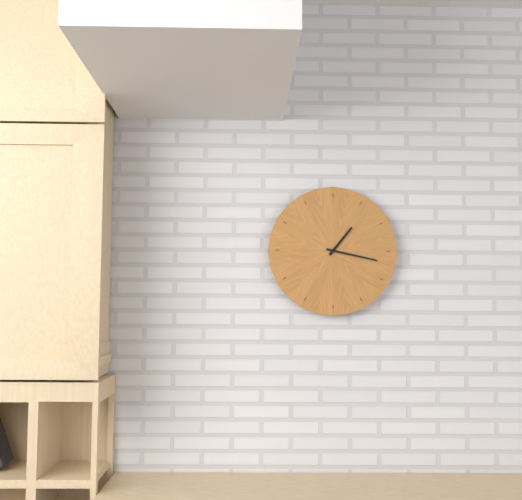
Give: 1h17
